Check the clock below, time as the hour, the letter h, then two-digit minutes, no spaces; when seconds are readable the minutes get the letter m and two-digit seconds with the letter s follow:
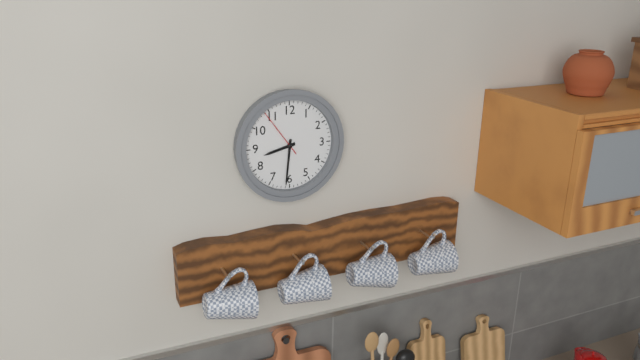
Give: 8h31m54s
